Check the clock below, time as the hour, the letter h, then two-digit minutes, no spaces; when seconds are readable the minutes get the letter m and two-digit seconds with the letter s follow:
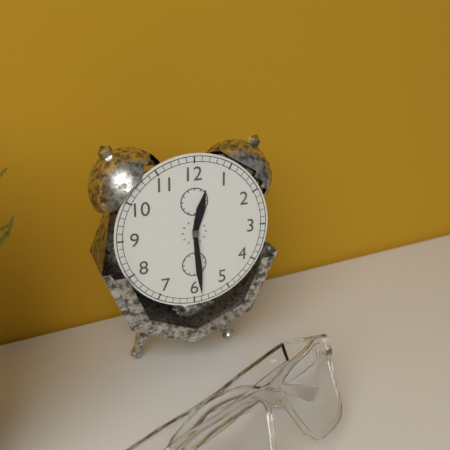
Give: 12h29
